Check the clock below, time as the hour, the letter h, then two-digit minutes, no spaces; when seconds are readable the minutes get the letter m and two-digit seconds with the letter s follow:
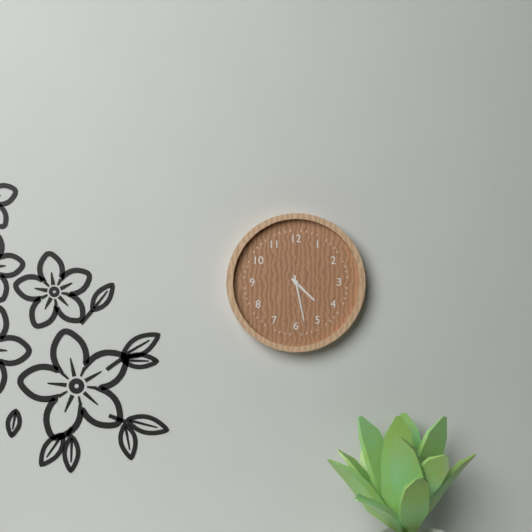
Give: 4h28
